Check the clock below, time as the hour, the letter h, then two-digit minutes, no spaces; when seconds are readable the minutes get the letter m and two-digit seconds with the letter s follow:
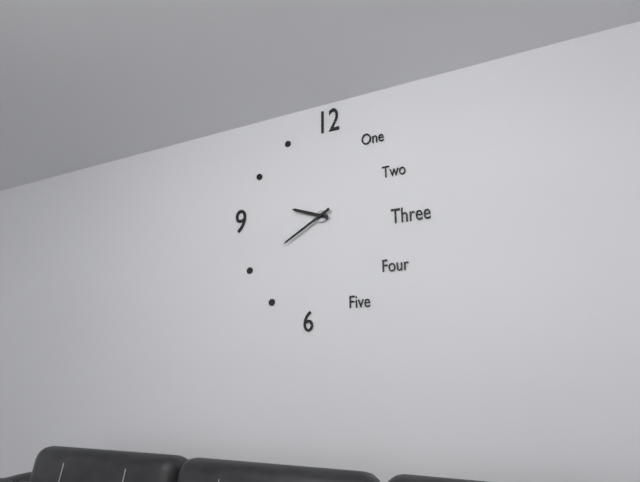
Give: 9h40
